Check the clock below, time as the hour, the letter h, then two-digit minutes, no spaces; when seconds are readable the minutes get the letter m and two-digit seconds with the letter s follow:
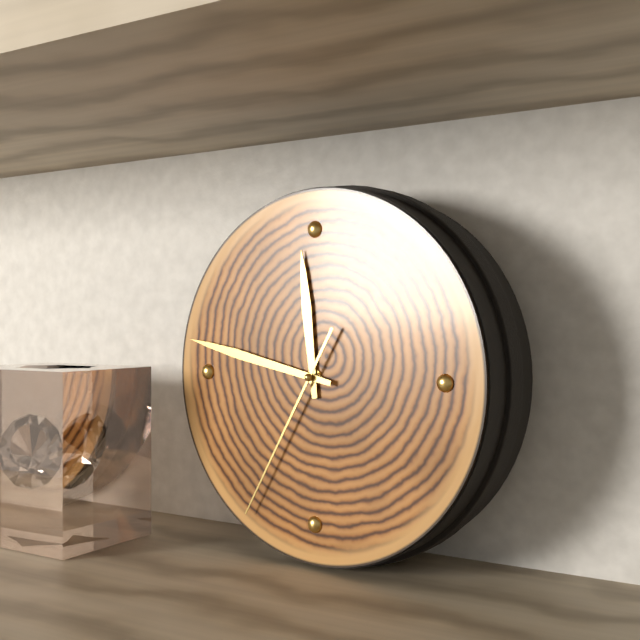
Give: 11h47m35s
